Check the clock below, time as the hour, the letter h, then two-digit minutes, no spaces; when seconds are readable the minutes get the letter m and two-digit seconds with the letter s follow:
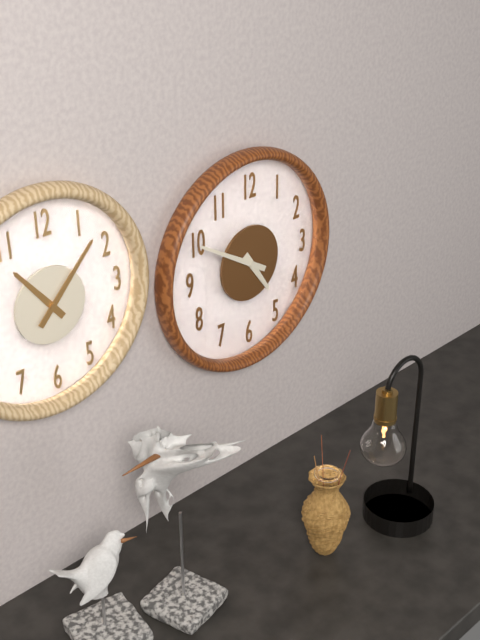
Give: 4h50
